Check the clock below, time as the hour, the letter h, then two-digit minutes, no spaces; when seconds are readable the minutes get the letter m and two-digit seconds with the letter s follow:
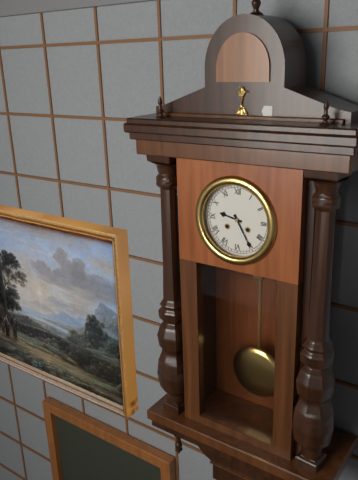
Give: 9h25
